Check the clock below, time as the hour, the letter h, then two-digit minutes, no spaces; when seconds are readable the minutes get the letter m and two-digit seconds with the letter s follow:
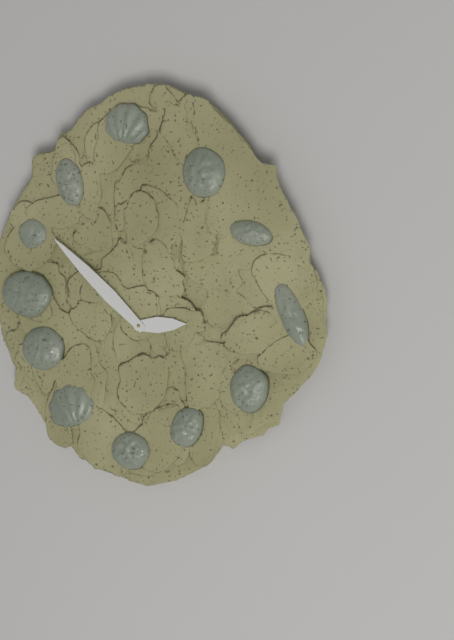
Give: 2h52
